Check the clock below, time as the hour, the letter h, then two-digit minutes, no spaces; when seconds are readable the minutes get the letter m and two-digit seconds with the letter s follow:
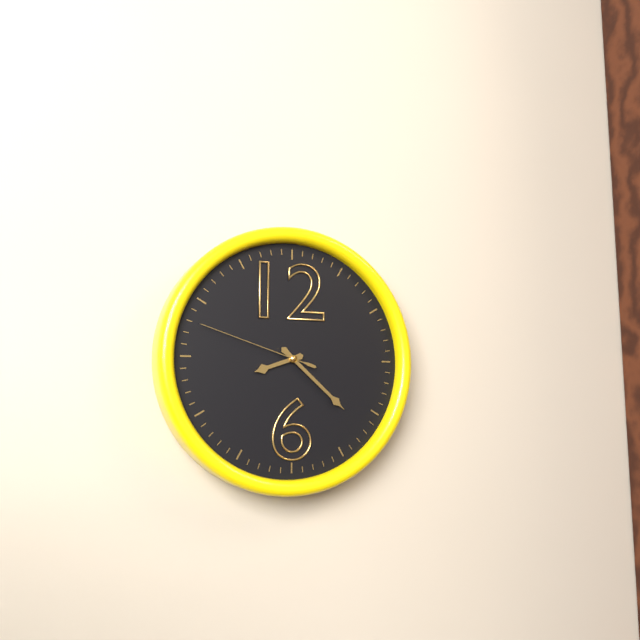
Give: 8h22m48s
